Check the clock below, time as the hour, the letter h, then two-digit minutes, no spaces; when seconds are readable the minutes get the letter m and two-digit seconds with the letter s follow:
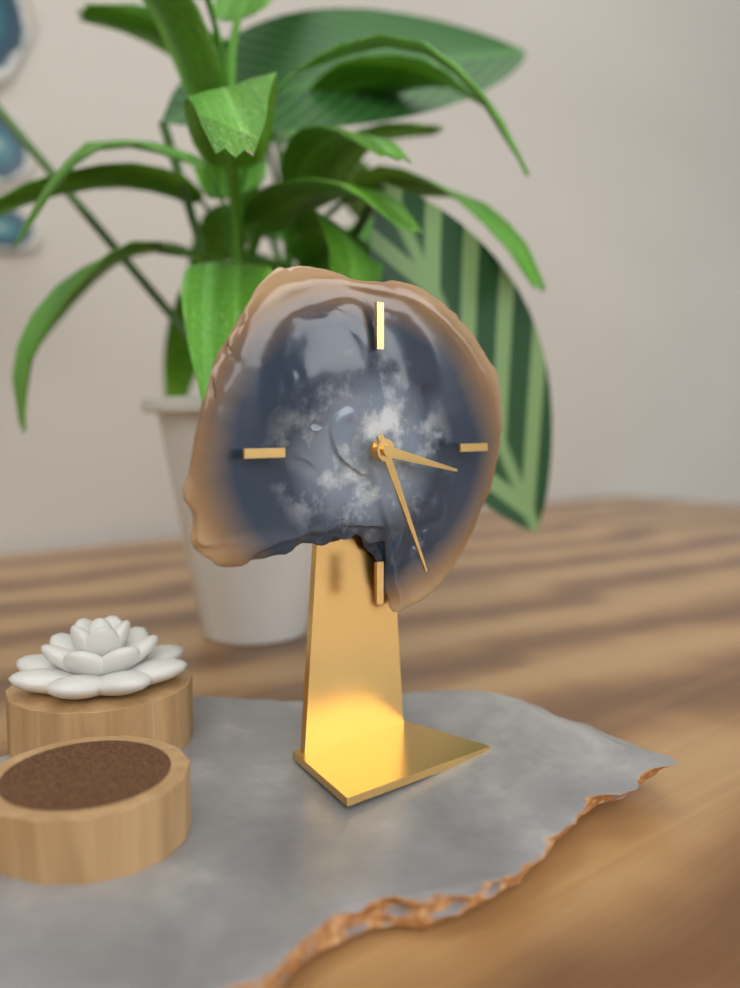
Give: 3h26
